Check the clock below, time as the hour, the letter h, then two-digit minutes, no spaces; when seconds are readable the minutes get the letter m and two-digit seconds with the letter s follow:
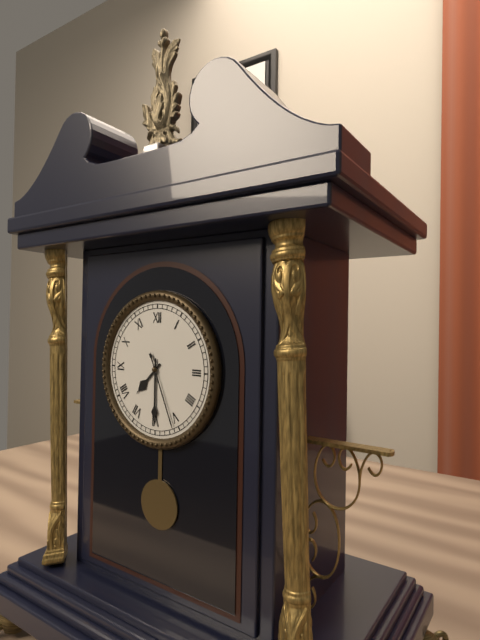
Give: 7h30m26s
